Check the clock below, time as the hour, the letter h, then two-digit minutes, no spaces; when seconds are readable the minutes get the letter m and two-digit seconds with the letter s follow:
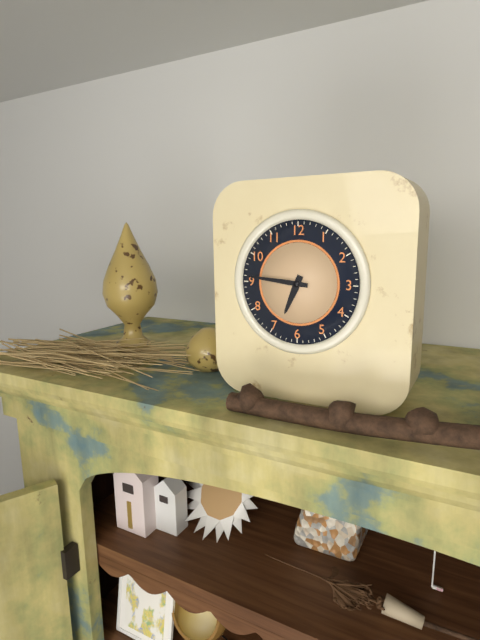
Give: 6h46
